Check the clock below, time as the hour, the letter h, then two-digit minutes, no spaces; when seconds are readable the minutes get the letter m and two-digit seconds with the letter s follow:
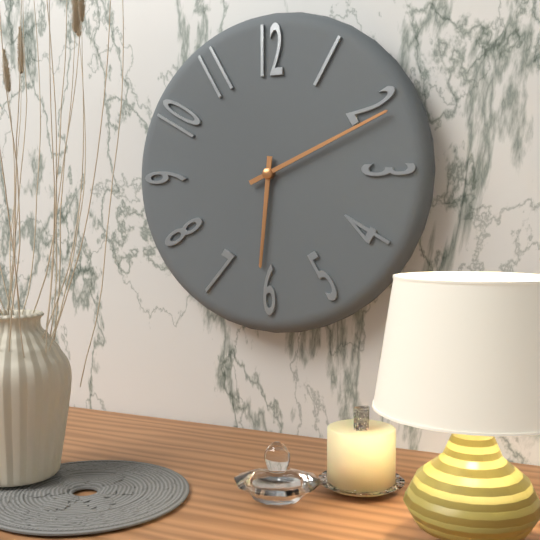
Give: 6h11
